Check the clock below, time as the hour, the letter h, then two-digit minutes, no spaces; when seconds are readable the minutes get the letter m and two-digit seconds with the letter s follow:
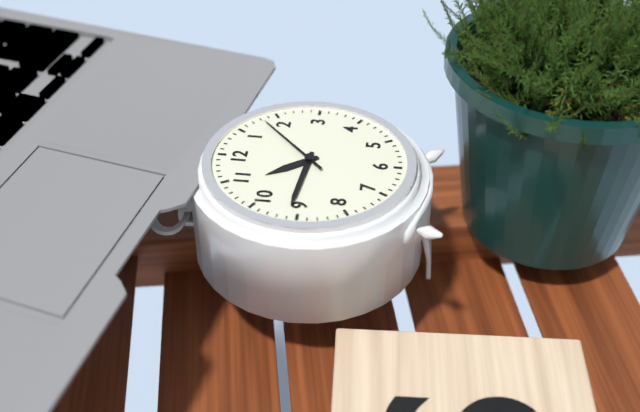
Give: 10h46m08s
